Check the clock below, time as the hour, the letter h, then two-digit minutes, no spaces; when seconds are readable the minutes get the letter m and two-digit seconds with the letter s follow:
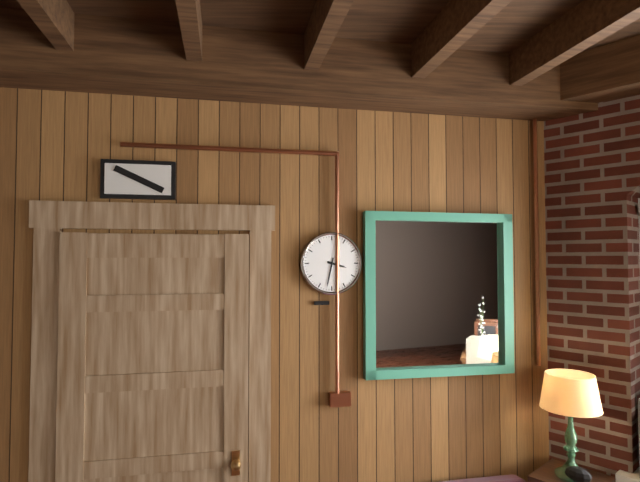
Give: 3h32
